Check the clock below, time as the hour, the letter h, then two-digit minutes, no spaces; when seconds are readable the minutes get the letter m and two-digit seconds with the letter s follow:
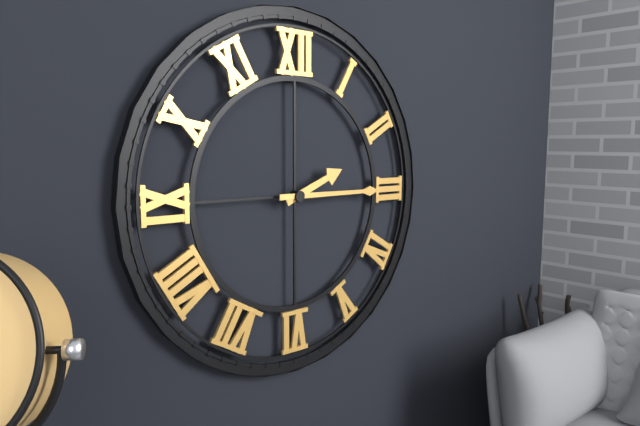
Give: 2h15
